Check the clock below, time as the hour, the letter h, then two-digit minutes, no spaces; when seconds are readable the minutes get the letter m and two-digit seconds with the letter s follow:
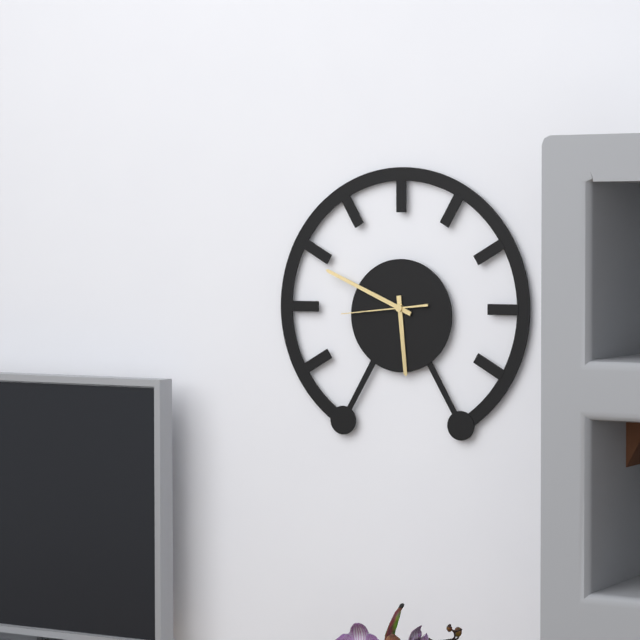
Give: 5h49m44s
